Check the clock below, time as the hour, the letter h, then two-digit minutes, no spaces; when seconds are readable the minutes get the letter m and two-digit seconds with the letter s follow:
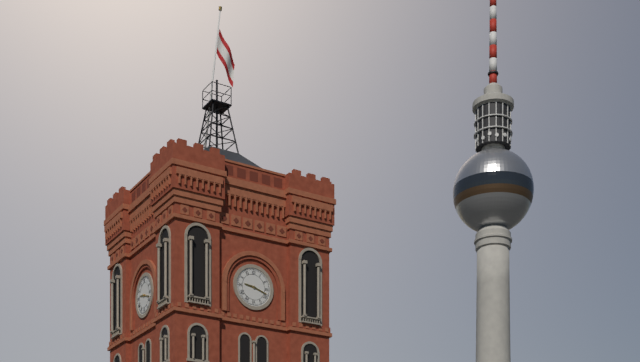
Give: 9h18
